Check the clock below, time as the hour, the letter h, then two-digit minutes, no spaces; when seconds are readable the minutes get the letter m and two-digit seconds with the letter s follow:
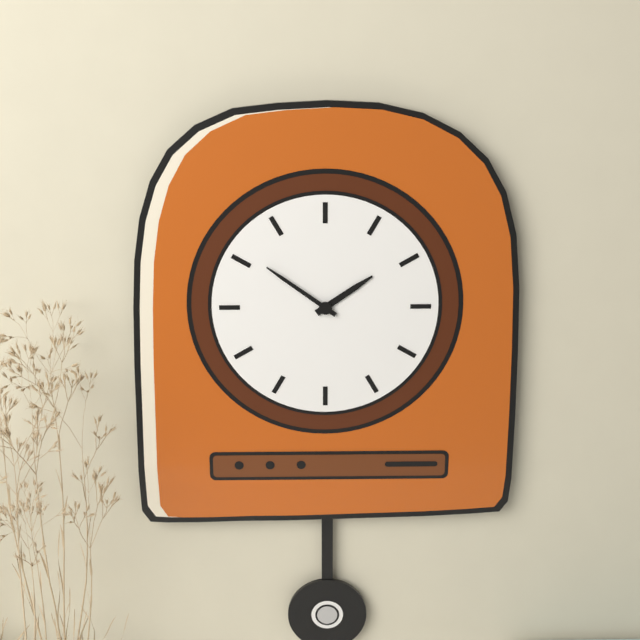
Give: 1h51
